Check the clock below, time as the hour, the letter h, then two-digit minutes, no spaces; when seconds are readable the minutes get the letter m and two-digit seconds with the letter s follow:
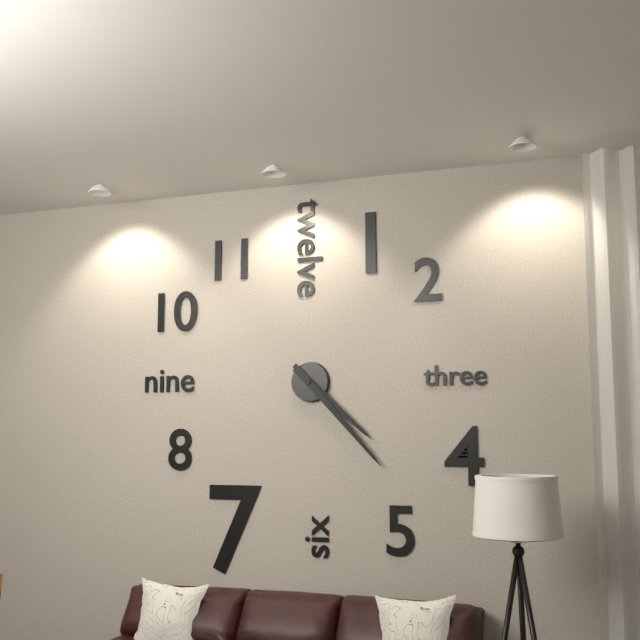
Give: 4h23
